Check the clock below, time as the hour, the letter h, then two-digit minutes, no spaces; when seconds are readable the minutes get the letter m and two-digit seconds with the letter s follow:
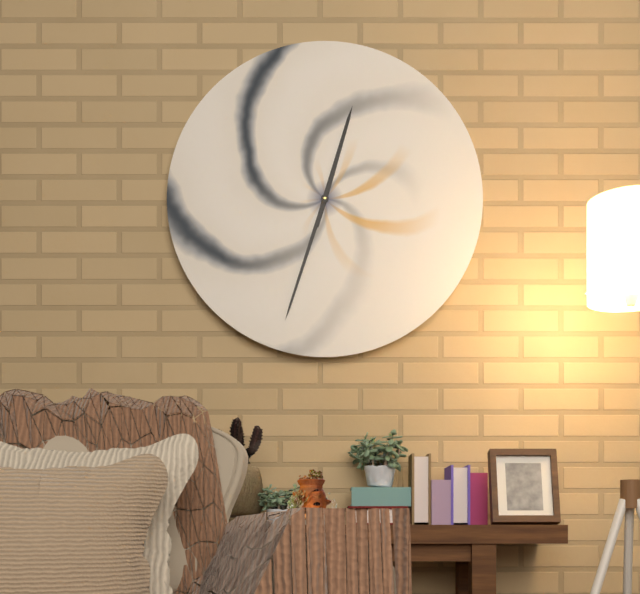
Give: 12h33
